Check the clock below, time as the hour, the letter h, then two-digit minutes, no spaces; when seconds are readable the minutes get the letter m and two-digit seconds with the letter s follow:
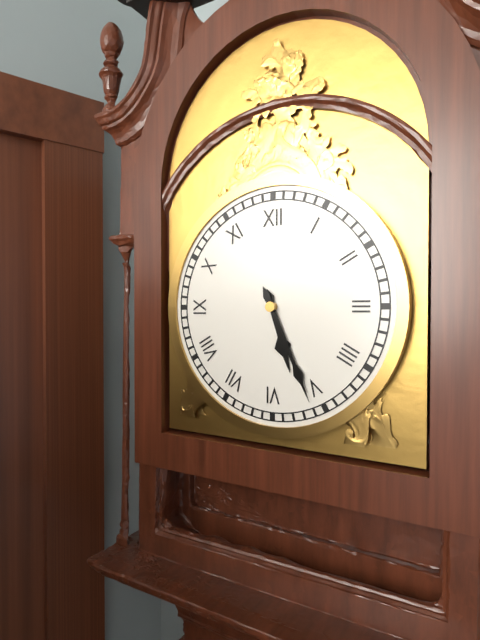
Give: 5h26
